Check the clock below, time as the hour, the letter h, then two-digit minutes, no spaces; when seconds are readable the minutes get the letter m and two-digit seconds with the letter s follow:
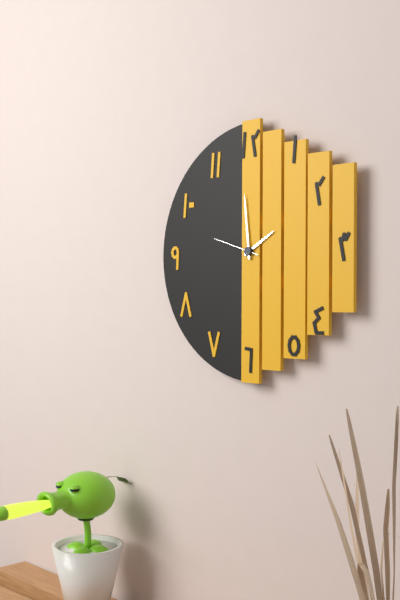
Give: 1h59m48s
